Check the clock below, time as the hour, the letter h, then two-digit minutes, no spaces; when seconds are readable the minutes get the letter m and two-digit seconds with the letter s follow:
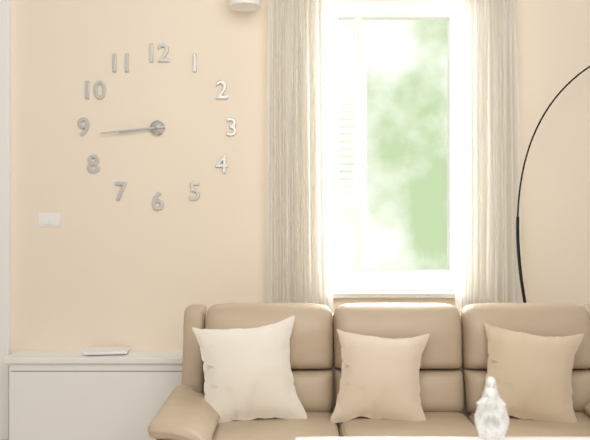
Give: 8h44
